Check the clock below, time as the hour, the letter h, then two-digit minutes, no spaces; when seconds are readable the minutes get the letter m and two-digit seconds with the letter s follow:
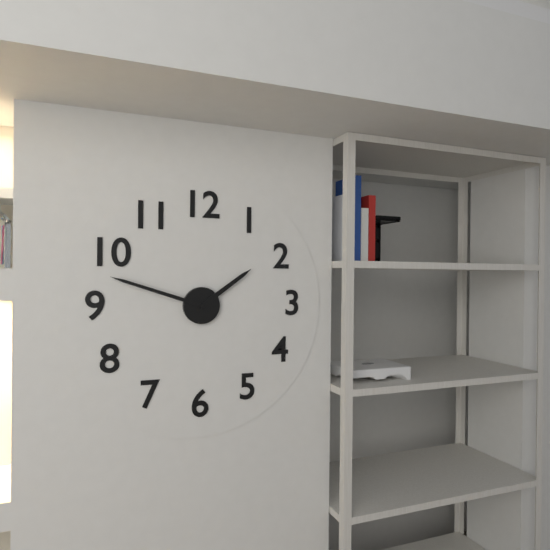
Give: 1h48
